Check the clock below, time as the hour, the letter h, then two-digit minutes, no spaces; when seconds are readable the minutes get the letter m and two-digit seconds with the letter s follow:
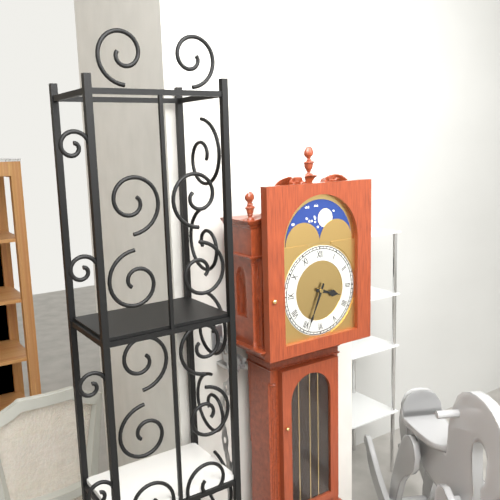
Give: 3h34
